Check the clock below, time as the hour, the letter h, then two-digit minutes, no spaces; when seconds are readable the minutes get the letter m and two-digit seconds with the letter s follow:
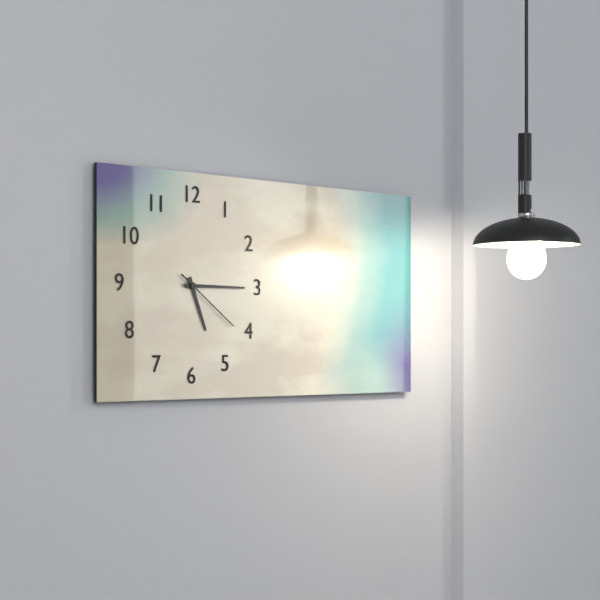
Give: 5h15m21s
